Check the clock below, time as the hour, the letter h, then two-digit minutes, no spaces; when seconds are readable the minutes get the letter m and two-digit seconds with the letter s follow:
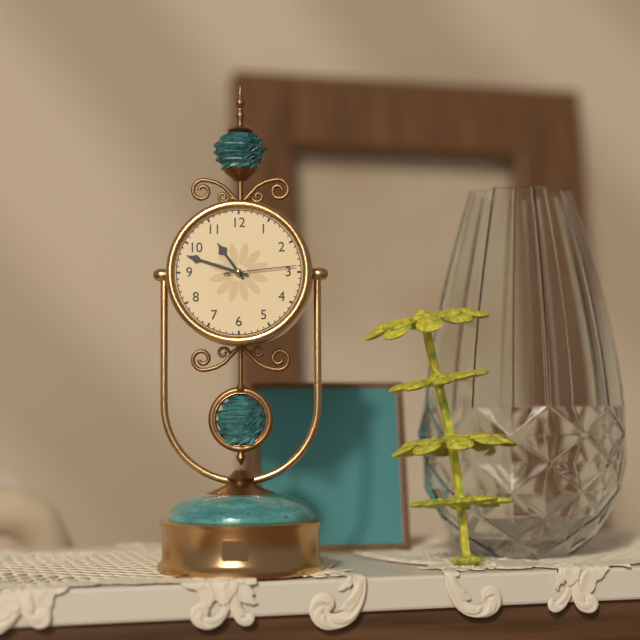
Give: 10h48m14s
